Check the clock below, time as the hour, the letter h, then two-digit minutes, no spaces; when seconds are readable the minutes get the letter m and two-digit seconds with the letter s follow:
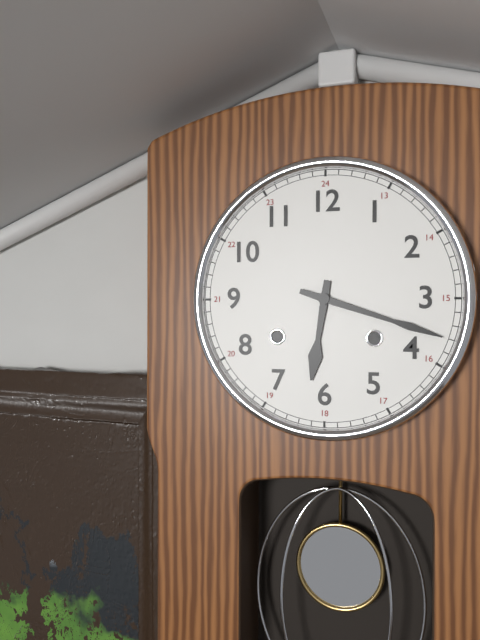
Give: 6h18
